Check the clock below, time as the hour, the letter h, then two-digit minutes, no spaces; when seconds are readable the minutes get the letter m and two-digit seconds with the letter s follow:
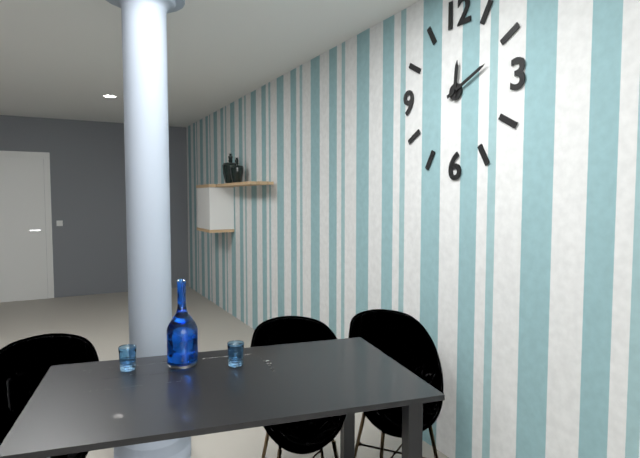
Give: 12h11
